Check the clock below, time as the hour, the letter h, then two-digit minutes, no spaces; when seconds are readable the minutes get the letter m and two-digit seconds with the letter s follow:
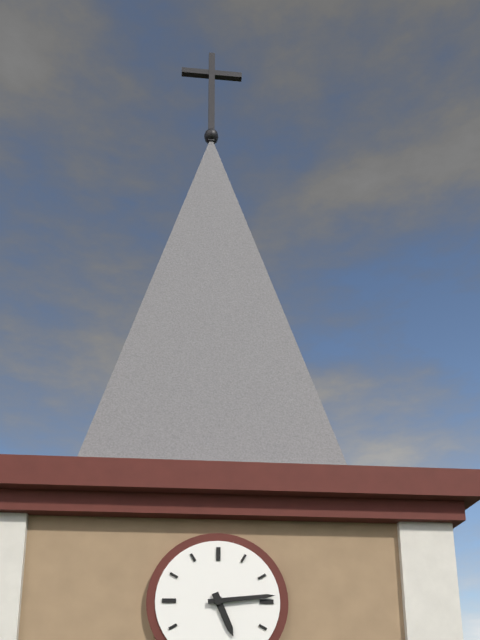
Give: 5h14
